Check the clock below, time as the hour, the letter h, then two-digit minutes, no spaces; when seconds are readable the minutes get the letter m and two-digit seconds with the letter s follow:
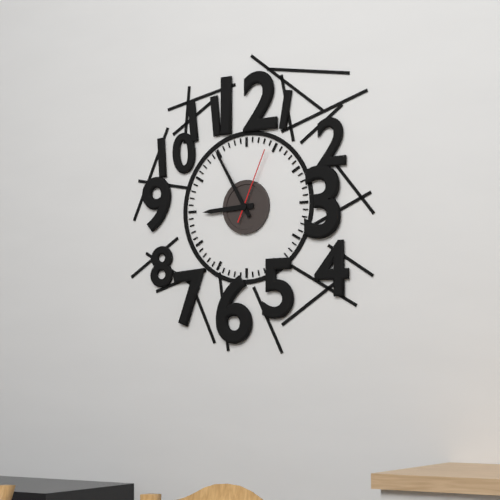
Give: 8h55m04s
